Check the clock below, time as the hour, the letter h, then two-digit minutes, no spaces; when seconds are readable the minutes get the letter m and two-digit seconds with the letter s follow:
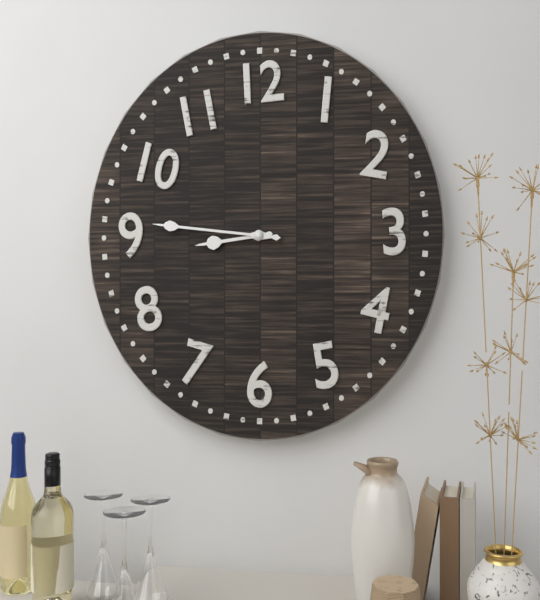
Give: 8h46
